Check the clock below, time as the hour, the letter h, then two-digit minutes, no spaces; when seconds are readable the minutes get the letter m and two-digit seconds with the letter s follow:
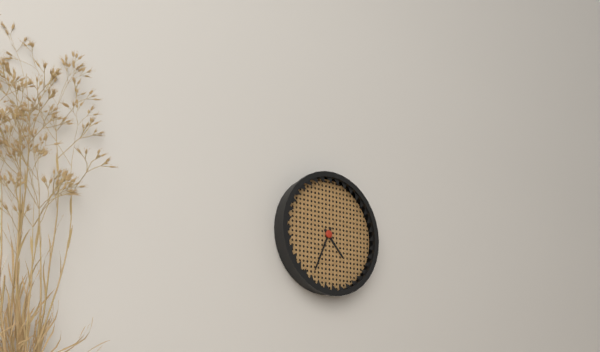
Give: 4h34
